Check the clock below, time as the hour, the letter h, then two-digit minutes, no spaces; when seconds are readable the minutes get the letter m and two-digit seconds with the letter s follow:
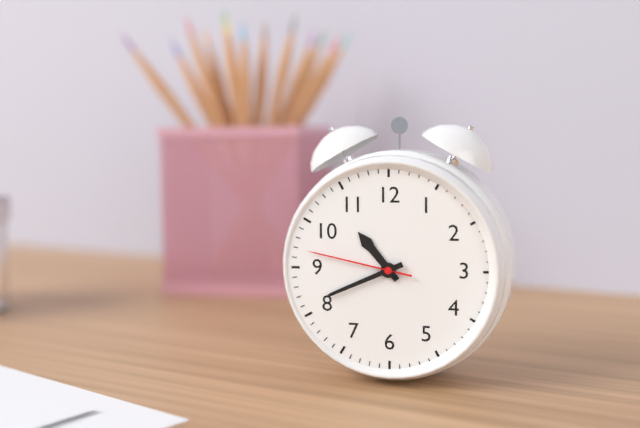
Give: 10h41m47s
